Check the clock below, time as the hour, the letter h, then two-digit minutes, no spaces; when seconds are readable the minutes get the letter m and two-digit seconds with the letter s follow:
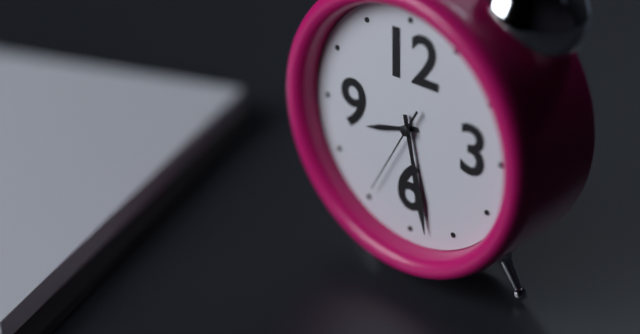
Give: 8h28m35s
